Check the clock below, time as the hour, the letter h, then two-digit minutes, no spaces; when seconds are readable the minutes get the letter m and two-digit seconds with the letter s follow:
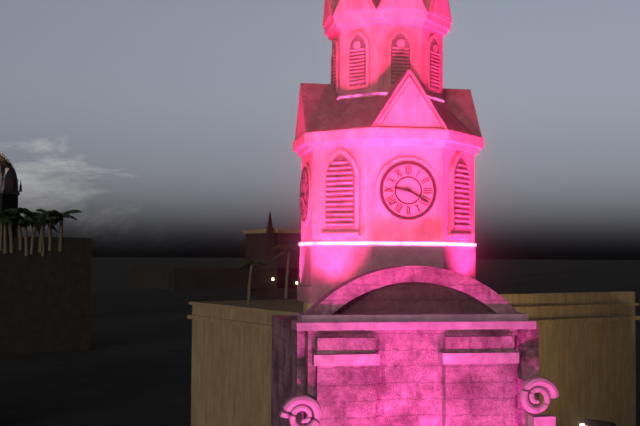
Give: 9h20
